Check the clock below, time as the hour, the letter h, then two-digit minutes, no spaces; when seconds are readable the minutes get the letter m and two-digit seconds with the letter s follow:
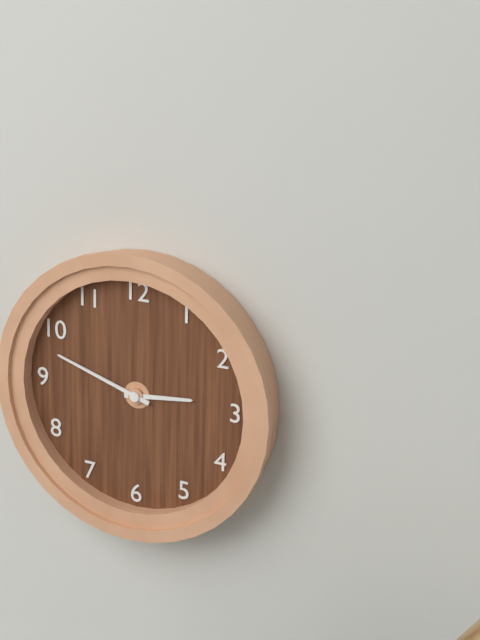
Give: 2h48
